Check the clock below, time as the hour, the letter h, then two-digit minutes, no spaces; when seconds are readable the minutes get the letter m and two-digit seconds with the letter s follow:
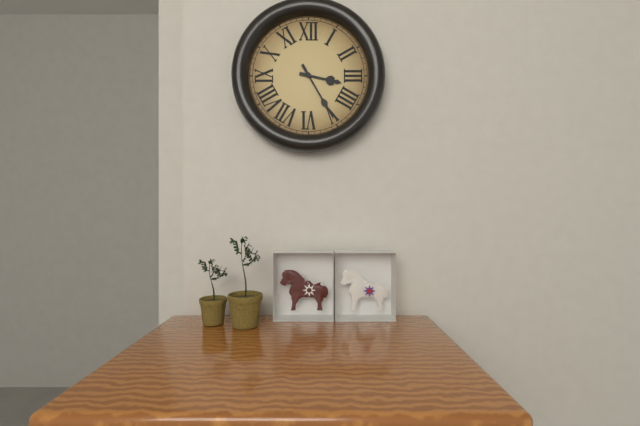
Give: 3h25
